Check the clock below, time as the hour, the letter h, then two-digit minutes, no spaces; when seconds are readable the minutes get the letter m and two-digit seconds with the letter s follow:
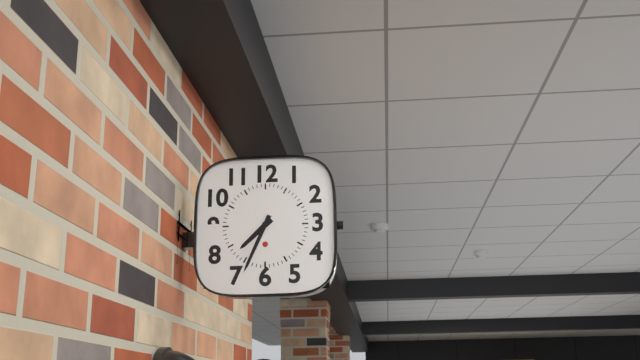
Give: 7h34
